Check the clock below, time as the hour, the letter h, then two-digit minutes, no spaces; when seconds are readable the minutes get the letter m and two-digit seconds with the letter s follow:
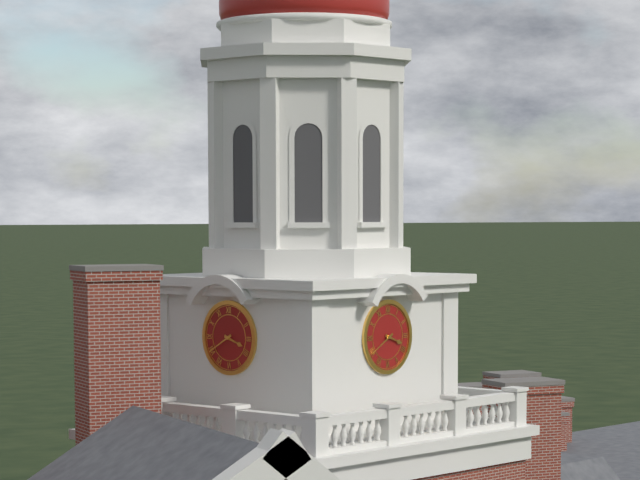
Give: 3h40
